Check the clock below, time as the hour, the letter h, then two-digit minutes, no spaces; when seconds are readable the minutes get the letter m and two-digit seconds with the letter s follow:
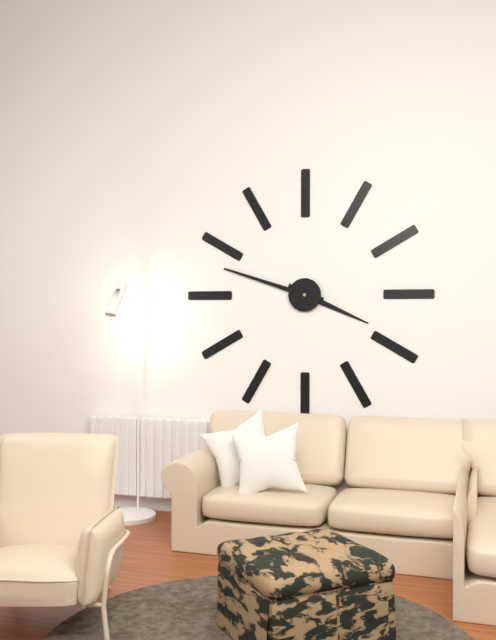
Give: 3h48
